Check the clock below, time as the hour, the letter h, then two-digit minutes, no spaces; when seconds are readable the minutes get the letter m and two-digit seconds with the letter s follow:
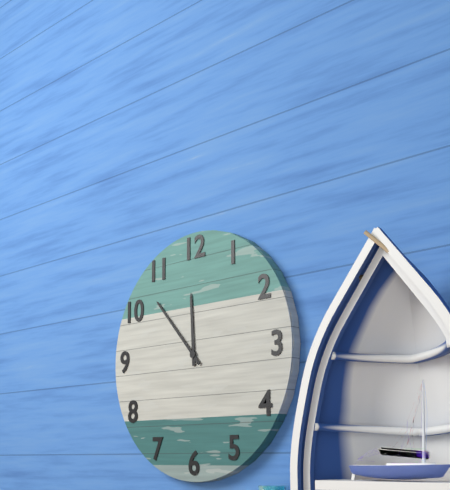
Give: 11h53
